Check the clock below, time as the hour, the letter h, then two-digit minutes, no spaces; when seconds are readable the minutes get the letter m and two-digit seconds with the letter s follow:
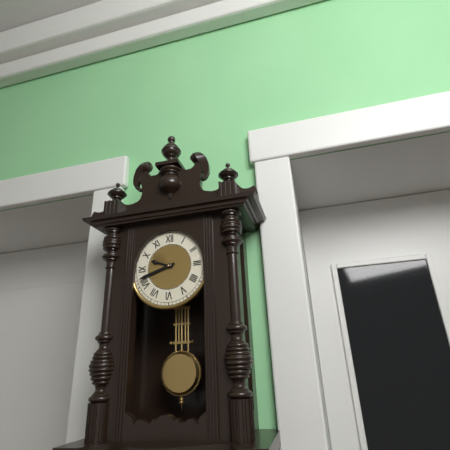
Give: 9h42
